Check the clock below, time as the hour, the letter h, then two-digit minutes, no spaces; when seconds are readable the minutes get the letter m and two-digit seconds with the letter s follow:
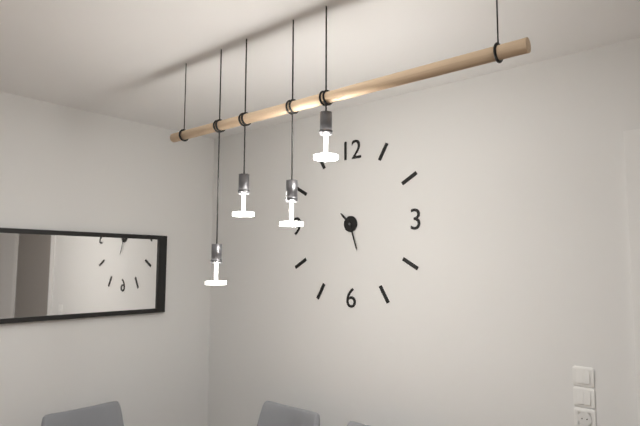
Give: 10h27
